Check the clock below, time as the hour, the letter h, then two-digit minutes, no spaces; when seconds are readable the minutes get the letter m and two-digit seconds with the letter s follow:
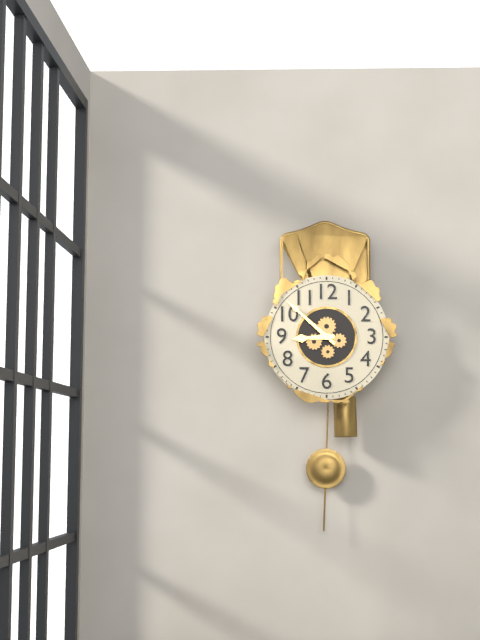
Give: 8h52
